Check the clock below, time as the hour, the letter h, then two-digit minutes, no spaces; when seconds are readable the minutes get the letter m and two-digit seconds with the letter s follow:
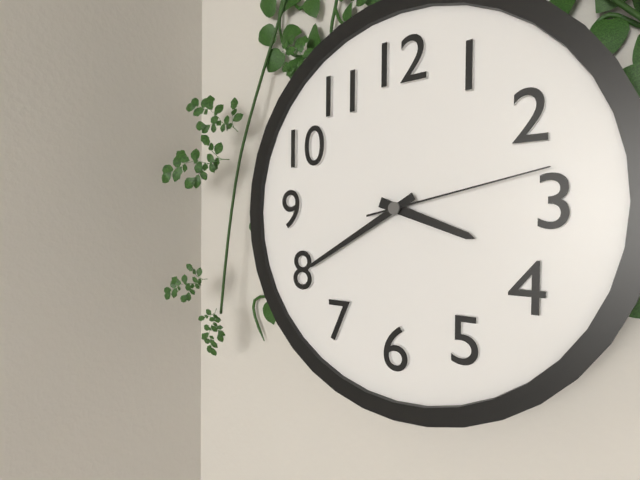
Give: 3h40m13s
